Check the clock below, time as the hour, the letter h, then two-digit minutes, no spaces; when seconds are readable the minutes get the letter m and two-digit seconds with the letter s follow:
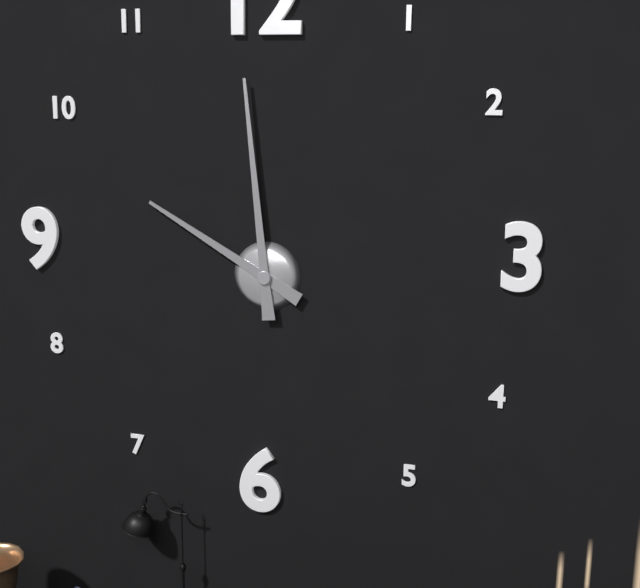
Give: 9h59
